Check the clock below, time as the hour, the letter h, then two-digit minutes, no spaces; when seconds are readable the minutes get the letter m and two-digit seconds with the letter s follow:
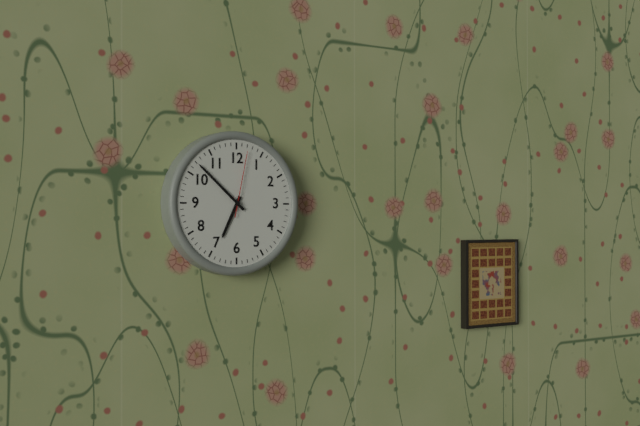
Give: 6h52m02s
